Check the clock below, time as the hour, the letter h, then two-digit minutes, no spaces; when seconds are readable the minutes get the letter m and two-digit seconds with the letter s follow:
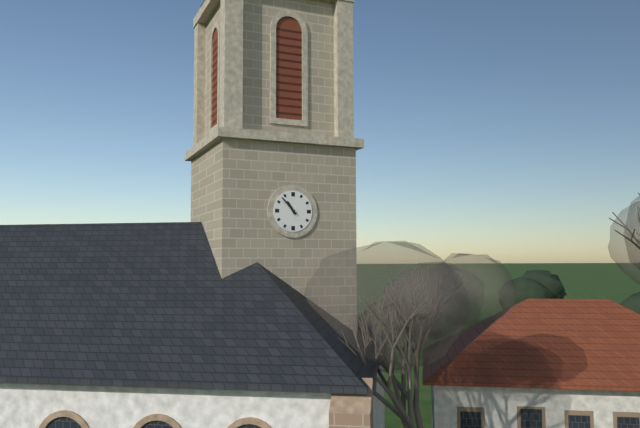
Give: 10h53
